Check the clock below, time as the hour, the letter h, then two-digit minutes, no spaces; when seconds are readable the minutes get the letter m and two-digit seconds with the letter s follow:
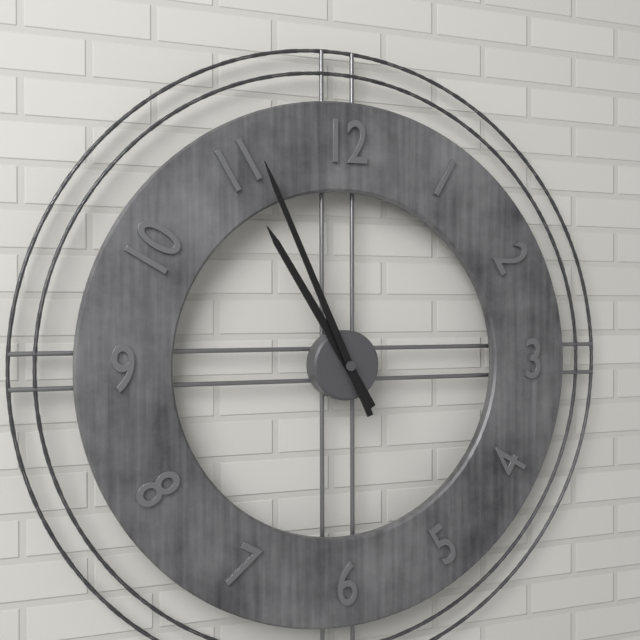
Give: 10h56
